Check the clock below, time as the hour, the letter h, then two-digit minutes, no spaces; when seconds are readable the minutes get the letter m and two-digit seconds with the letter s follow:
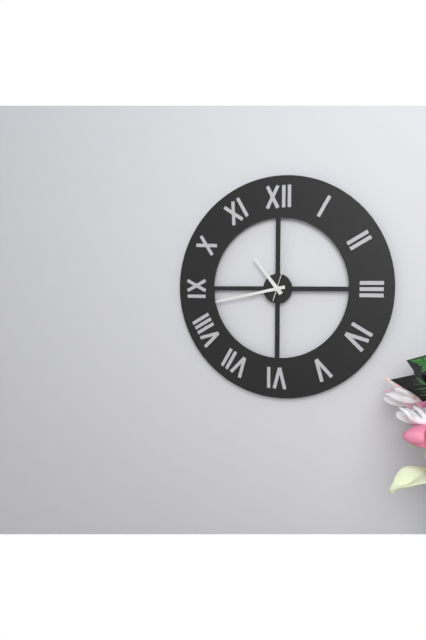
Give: 10h43m03s
